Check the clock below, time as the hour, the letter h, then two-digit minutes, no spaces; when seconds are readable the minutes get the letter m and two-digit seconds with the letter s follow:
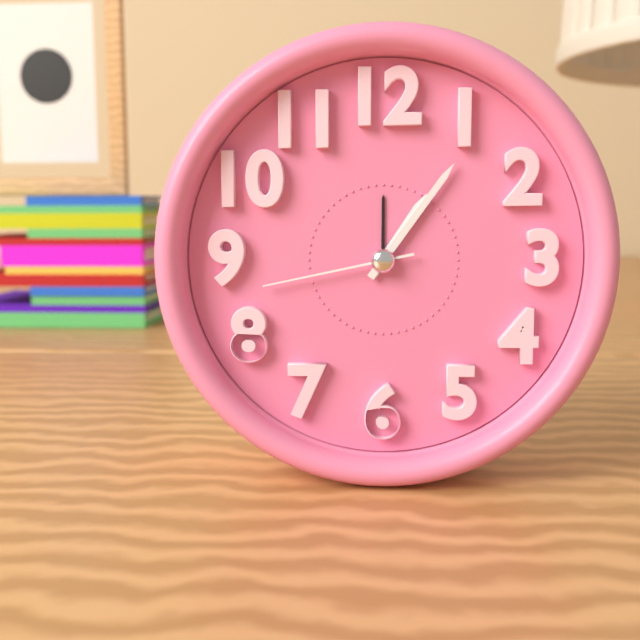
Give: 1h06m43s
